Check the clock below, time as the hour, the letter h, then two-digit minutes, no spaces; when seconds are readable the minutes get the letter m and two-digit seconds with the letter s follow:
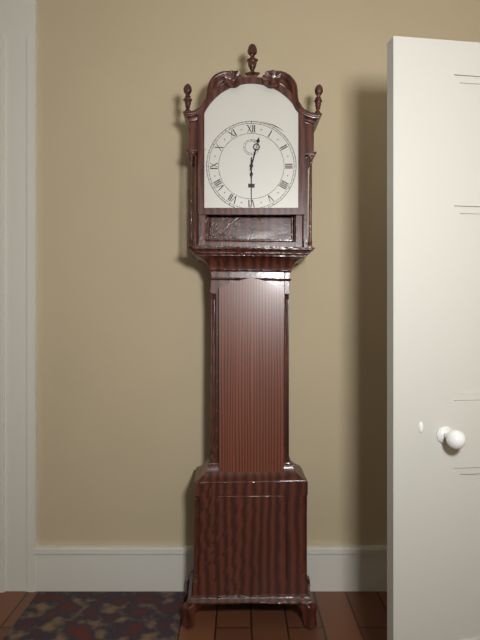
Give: 12h30
